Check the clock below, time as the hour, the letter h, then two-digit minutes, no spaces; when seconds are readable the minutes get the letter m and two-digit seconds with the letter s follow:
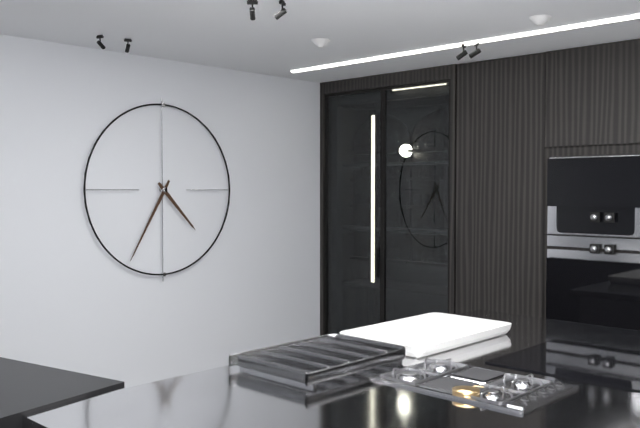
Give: 4h35
